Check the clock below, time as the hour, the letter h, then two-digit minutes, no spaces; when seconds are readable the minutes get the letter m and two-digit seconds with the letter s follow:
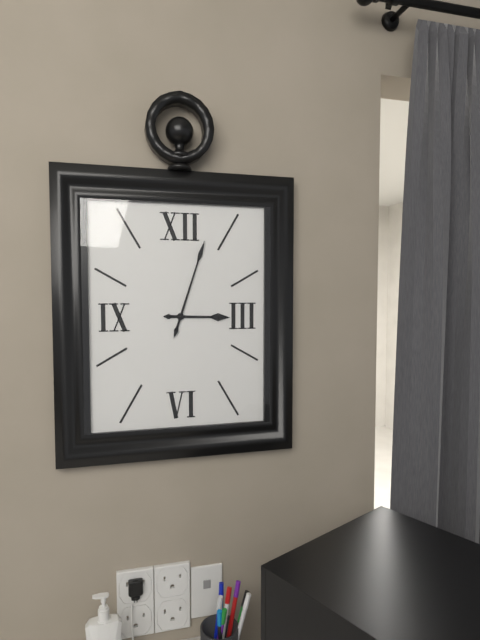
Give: 3h03
